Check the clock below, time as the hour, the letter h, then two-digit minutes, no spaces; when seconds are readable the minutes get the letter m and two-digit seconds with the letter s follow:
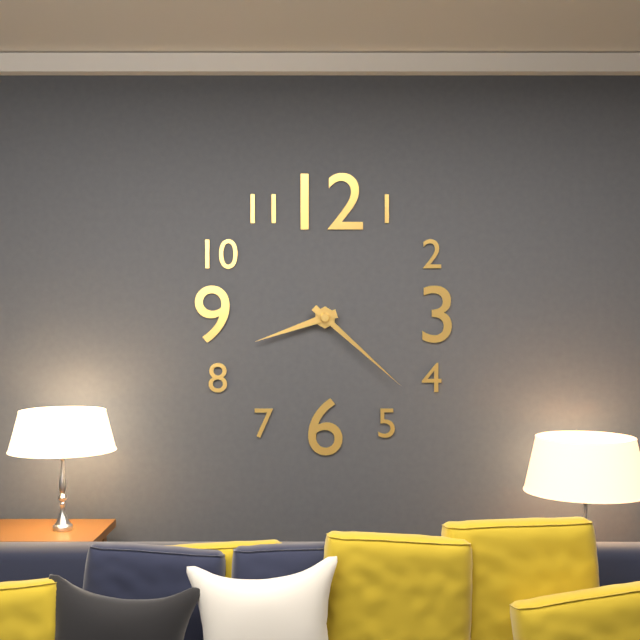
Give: 8h22
